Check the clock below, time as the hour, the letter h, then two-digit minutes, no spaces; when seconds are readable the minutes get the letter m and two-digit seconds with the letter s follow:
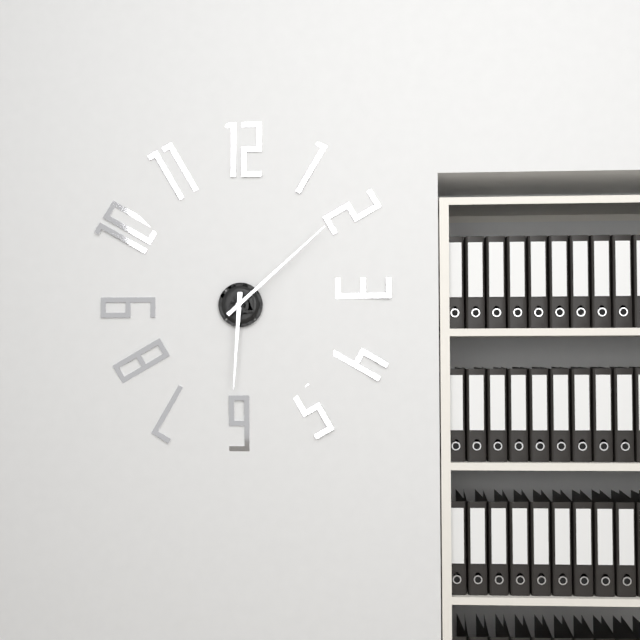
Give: 6h08
